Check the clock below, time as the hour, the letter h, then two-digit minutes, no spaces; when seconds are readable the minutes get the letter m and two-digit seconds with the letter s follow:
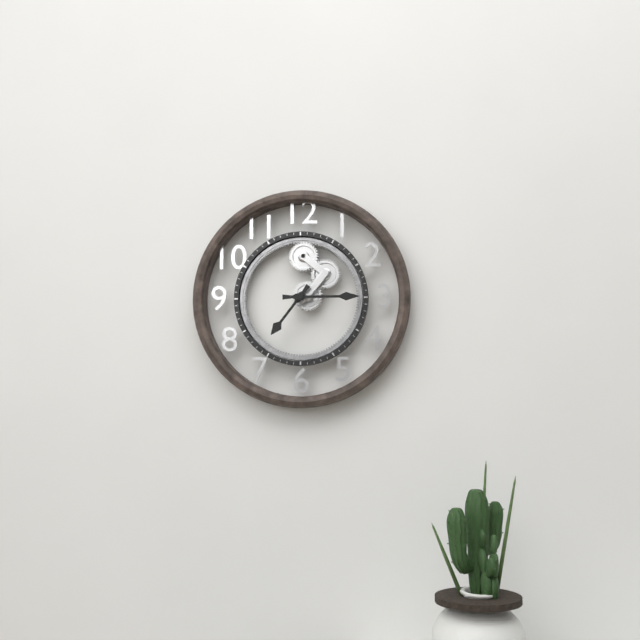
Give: 7h15
